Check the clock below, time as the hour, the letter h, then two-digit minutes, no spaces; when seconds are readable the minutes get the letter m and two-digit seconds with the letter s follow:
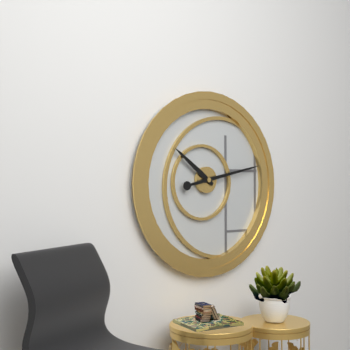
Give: 10h13
